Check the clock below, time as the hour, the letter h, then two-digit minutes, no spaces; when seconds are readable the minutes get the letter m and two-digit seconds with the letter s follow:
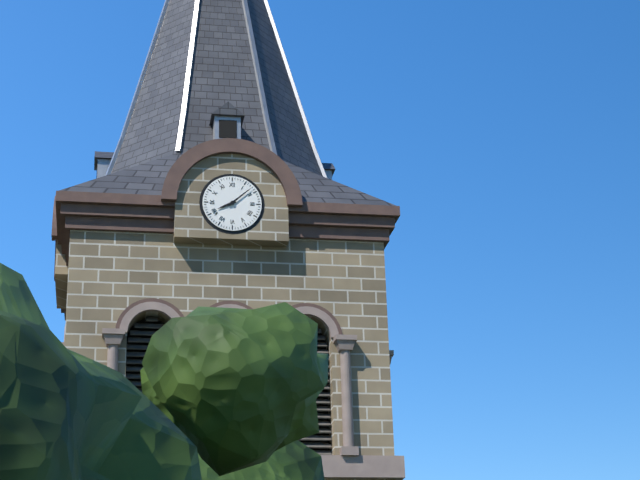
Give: 8h08
